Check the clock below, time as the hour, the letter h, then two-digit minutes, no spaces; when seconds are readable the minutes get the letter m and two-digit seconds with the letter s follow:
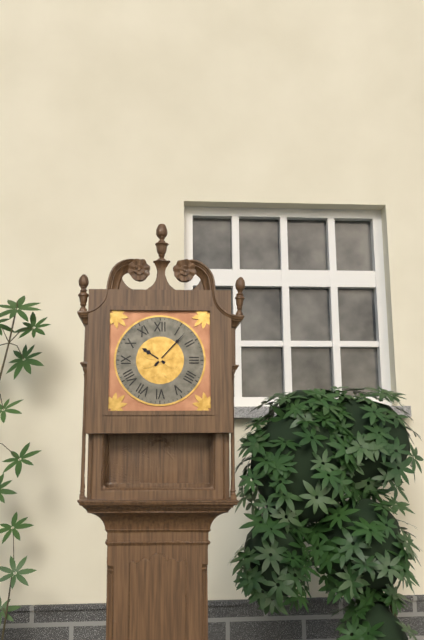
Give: 10h07
